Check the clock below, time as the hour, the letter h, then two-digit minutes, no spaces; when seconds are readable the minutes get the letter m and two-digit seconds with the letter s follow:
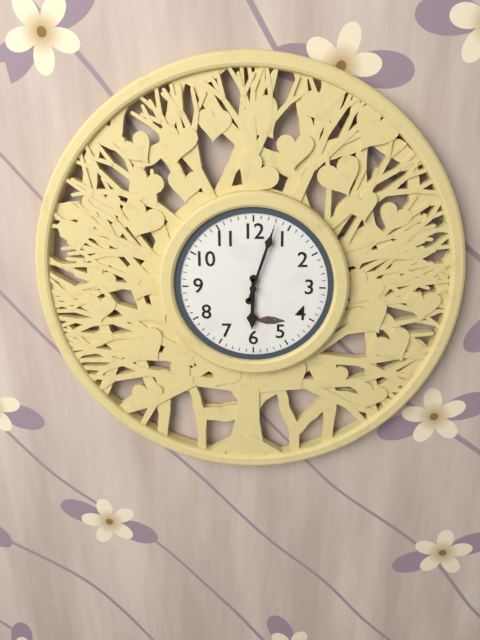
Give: 6h03
